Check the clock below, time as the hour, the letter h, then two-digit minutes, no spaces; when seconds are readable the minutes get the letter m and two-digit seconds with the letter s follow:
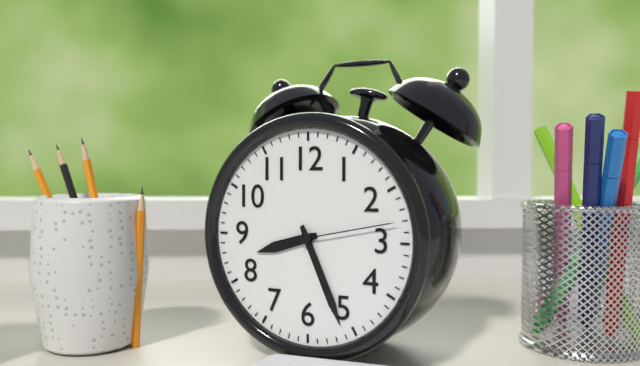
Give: 8h26m13s
